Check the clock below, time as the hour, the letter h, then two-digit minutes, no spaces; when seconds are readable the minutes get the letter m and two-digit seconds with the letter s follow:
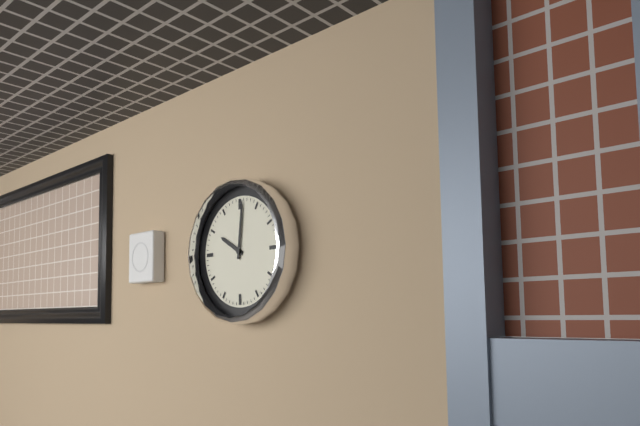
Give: 10h01
